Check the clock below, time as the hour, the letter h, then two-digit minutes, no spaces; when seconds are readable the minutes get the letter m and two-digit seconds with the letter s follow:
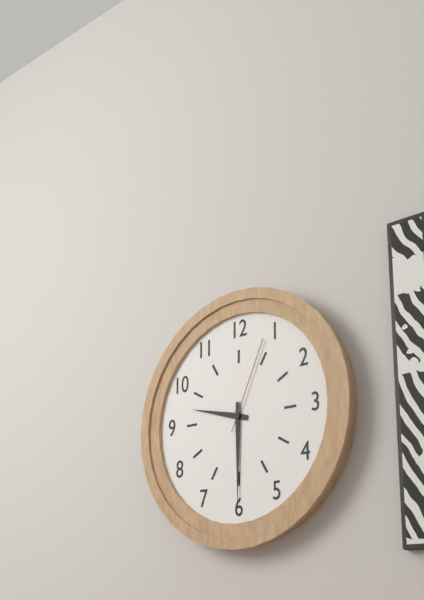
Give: 9h30m04s
